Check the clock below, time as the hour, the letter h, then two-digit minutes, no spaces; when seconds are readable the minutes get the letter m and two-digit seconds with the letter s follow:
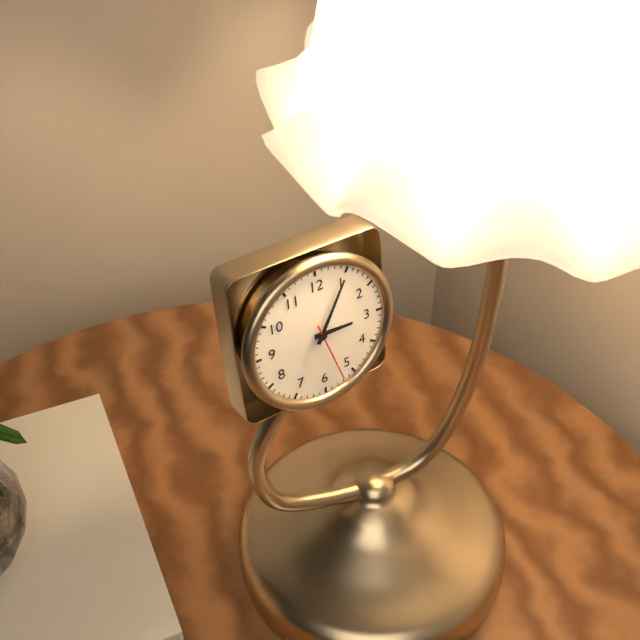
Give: 3h05m27s
